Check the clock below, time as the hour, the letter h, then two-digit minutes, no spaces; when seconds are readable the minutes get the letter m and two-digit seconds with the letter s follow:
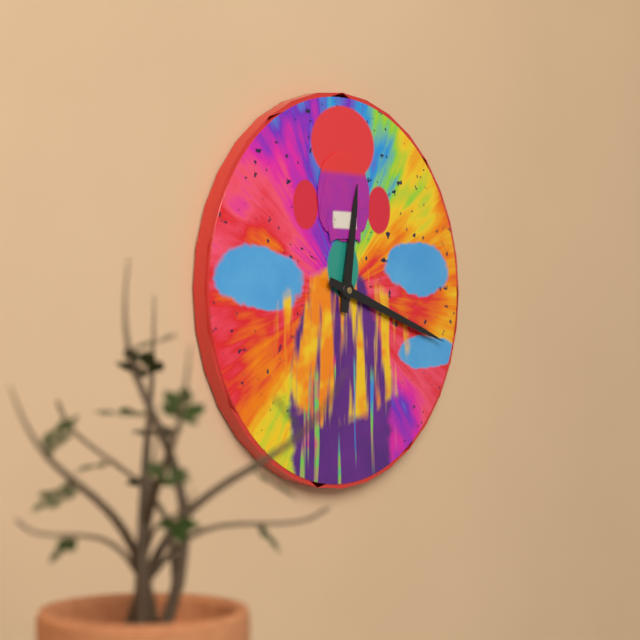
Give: 12h18
